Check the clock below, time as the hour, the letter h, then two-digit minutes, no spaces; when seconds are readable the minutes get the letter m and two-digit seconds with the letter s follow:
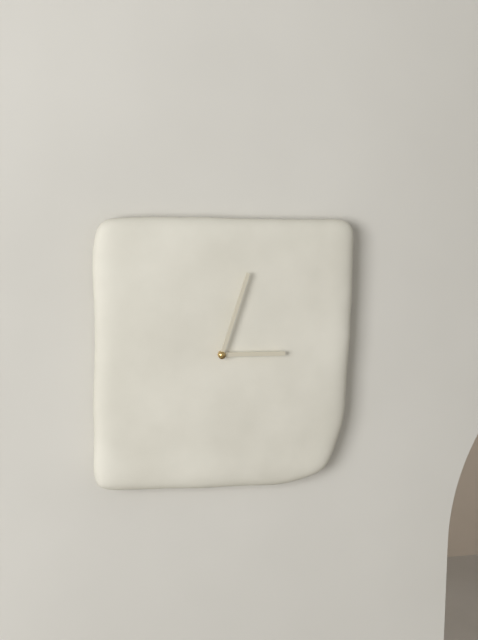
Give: 3h03
